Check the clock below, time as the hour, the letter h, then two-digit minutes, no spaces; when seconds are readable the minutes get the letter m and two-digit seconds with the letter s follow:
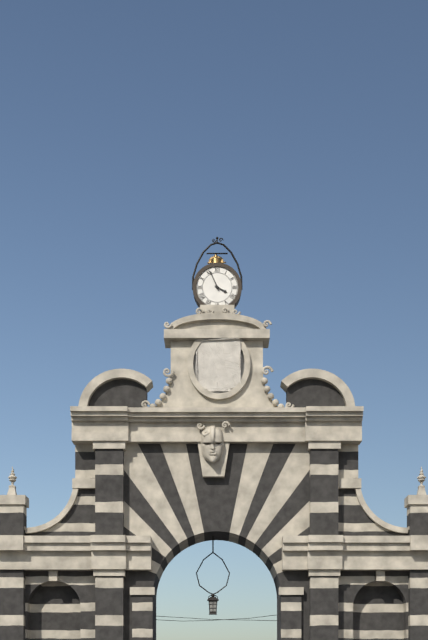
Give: 3h56
